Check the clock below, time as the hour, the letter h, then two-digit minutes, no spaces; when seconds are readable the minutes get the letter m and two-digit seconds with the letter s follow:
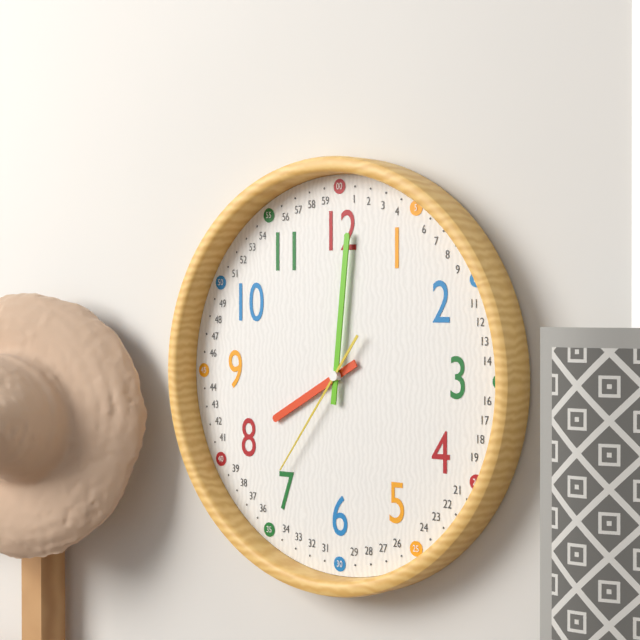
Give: 8h01m36s
